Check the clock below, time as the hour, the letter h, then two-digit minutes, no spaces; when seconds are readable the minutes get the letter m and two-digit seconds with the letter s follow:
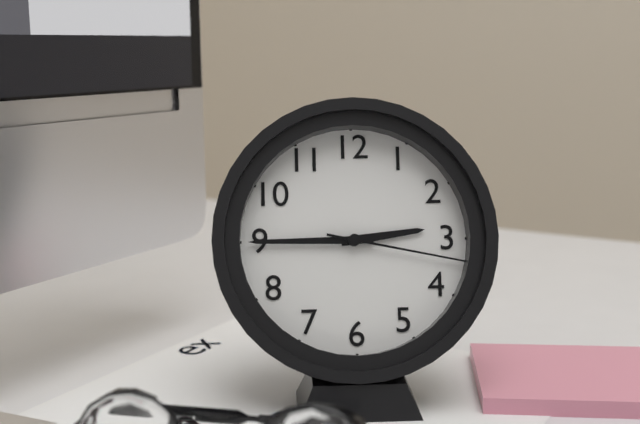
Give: 2h45m17s
